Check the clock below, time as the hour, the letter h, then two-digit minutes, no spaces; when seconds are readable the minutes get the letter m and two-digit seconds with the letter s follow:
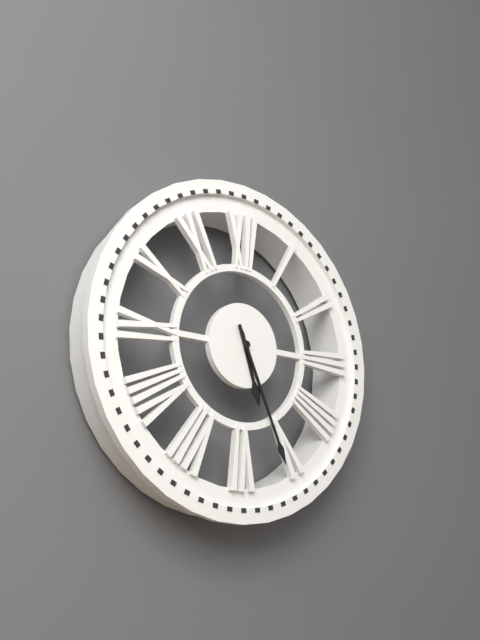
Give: 5h26
